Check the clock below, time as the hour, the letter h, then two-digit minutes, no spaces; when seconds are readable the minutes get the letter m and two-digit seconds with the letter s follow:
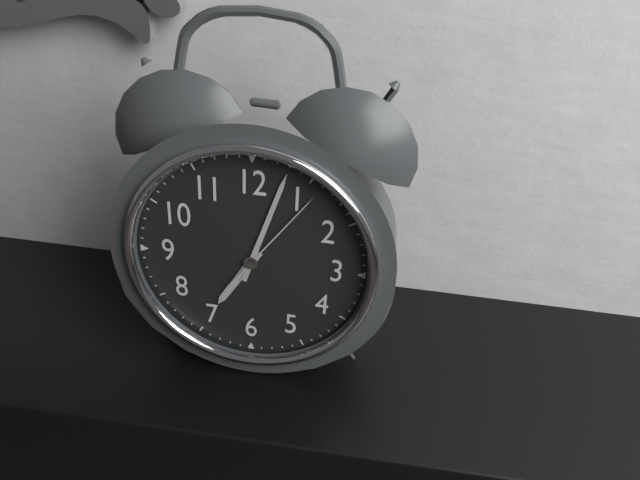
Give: 7h03m06s
